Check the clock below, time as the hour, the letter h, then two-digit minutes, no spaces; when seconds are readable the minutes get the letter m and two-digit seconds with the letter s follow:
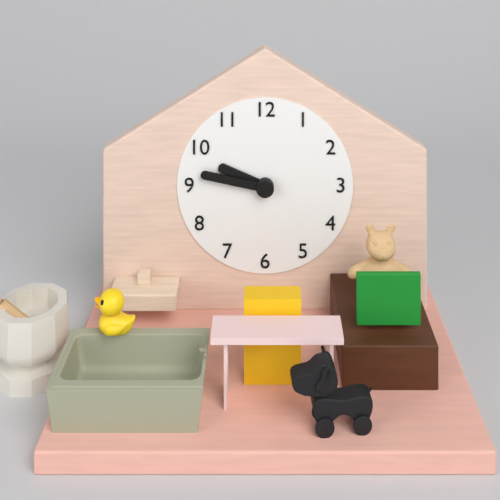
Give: 9h47
